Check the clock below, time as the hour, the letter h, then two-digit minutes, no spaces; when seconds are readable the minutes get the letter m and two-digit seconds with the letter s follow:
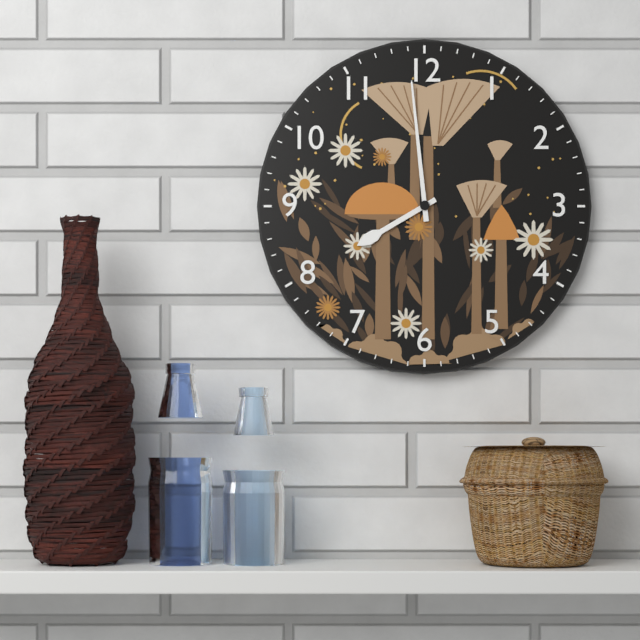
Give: 7h59
